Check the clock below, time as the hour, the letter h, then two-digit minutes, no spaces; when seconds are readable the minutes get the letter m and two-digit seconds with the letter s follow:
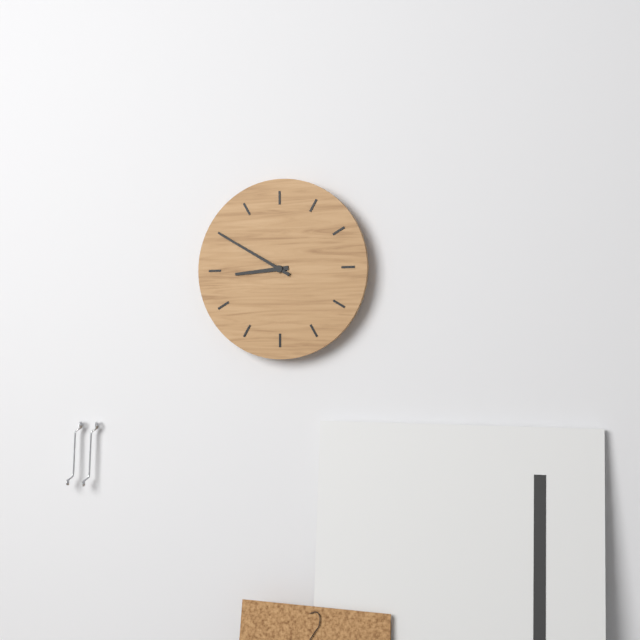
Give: 8h50
